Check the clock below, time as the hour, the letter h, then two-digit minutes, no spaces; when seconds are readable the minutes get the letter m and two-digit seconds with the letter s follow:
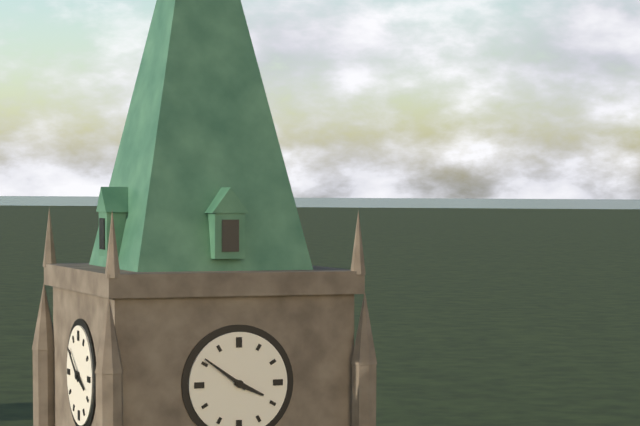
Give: 3h51
